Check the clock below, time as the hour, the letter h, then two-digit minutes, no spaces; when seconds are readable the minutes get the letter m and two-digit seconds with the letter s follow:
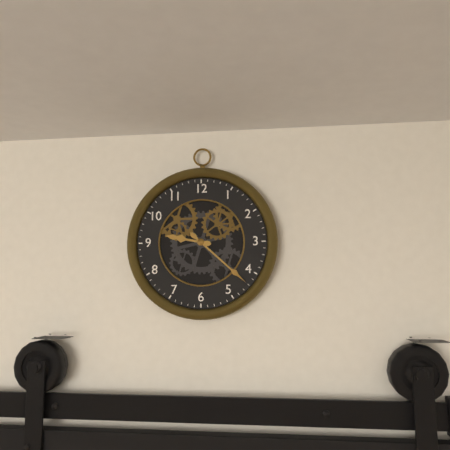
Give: 9h22
